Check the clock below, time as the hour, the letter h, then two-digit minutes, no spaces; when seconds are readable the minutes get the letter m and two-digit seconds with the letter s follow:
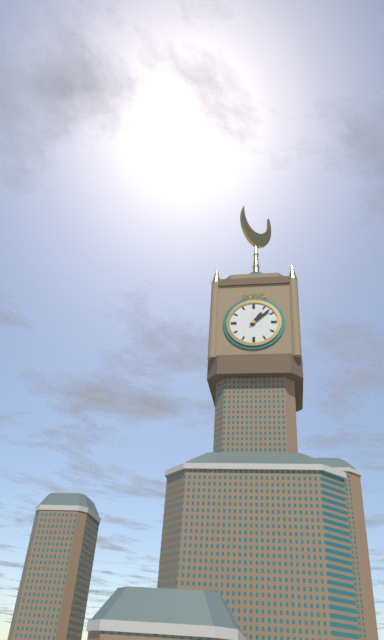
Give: 1h08
